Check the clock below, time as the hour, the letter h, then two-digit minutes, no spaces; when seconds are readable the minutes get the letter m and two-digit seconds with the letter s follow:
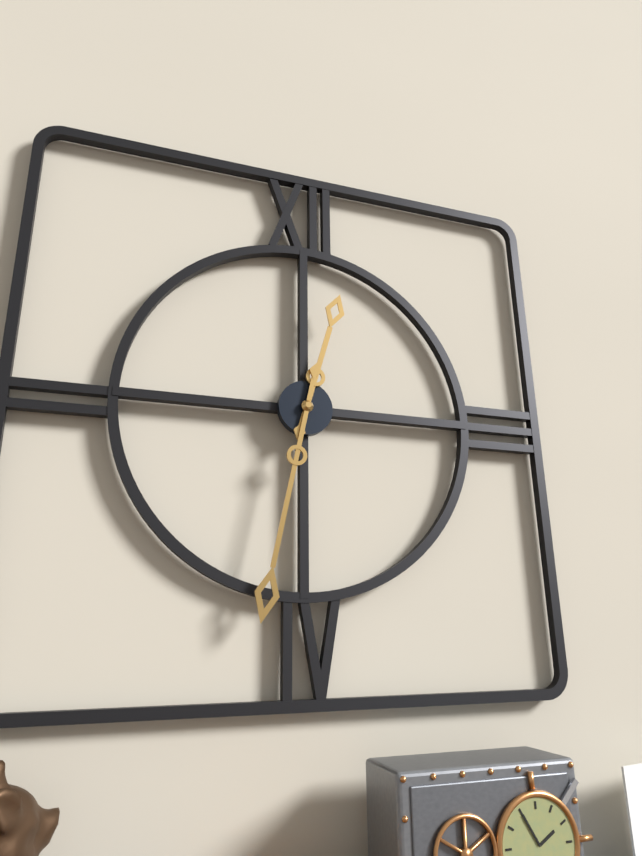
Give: 12h32
